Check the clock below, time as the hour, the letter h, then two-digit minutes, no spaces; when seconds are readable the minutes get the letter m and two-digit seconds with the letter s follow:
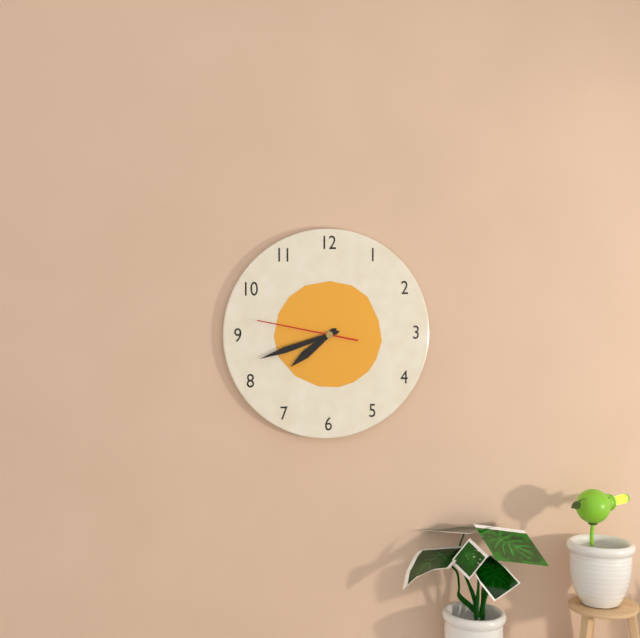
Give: 7h42m47s
